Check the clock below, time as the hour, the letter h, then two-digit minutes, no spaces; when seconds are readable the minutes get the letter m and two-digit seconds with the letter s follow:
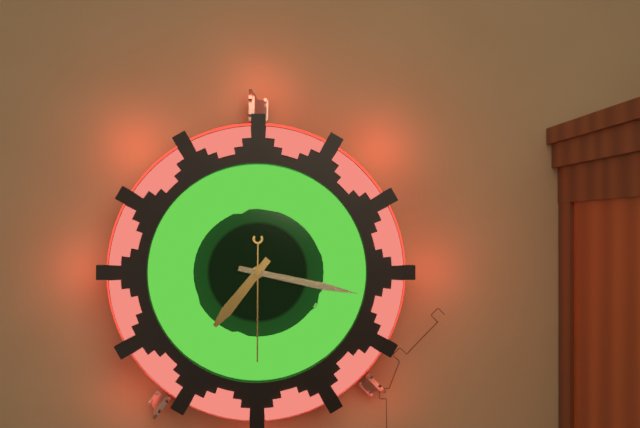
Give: 7h17m30s
